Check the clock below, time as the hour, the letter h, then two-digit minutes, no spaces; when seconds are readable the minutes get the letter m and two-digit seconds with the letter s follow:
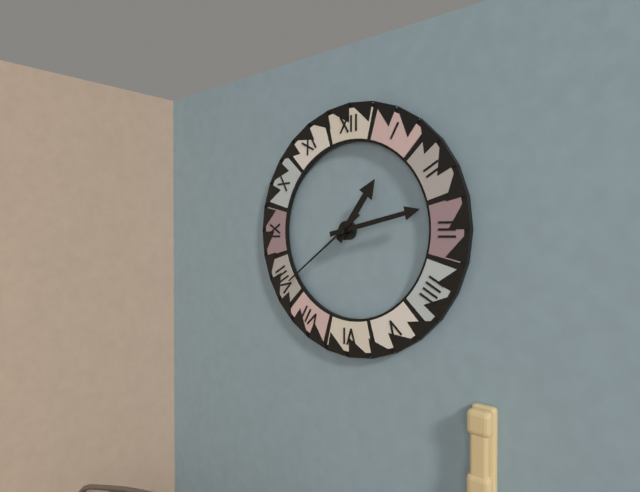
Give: 1h13m39s
